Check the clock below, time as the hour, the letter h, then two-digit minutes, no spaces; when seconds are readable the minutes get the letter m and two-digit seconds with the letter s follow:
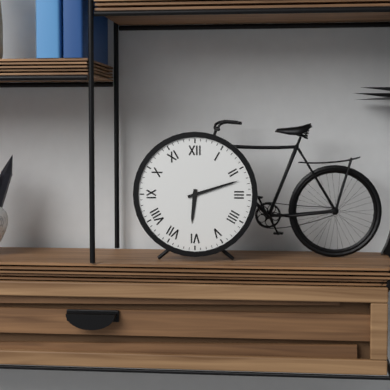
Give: 6h12
